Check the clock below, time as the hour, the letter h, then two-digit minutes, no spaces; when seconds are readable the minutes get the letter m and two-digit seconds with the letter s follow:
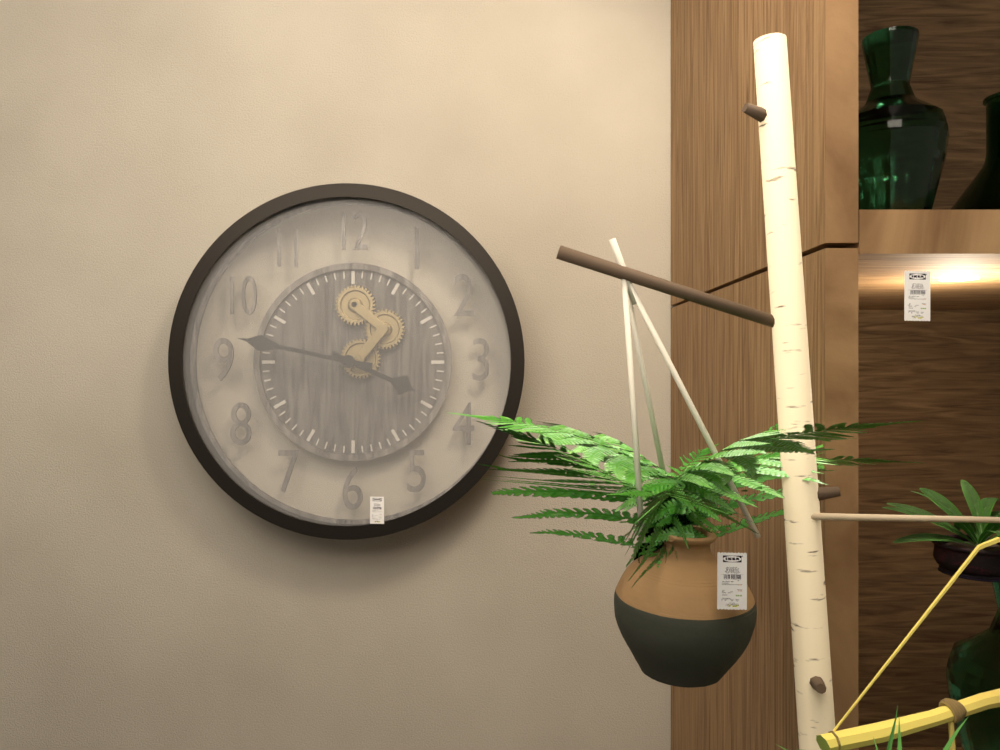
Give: 3h47
